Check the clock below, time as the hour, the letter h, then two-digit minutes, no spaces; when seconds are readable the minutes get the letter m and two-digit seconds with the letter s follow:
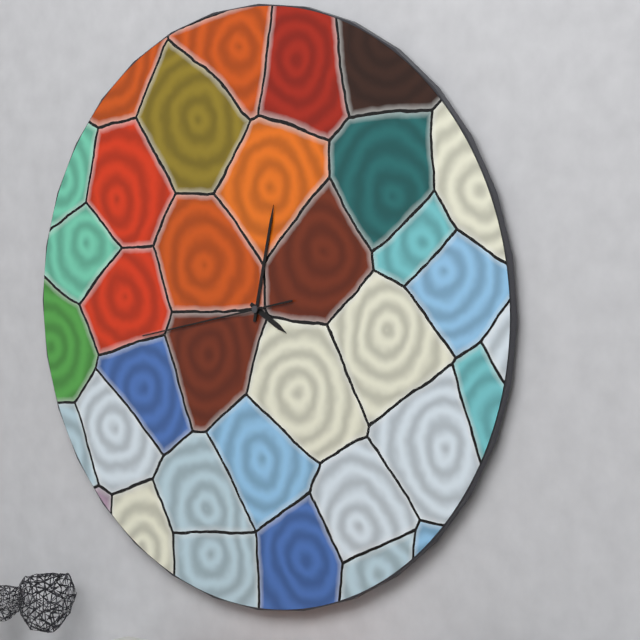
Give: 4h02m43s
